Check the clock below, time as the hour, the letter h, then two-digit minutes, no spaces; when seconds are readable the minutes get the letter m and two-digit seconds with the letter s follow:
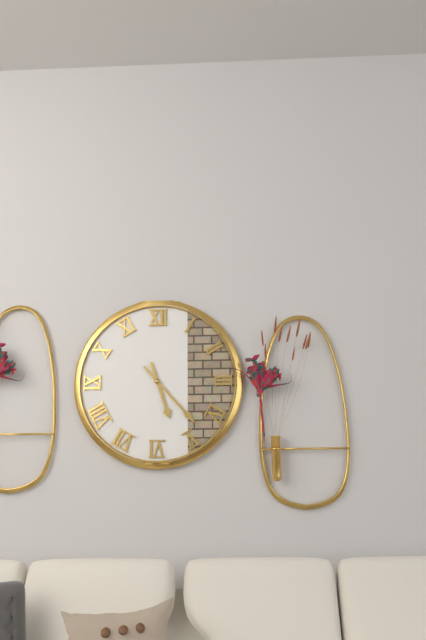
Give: 5h23
